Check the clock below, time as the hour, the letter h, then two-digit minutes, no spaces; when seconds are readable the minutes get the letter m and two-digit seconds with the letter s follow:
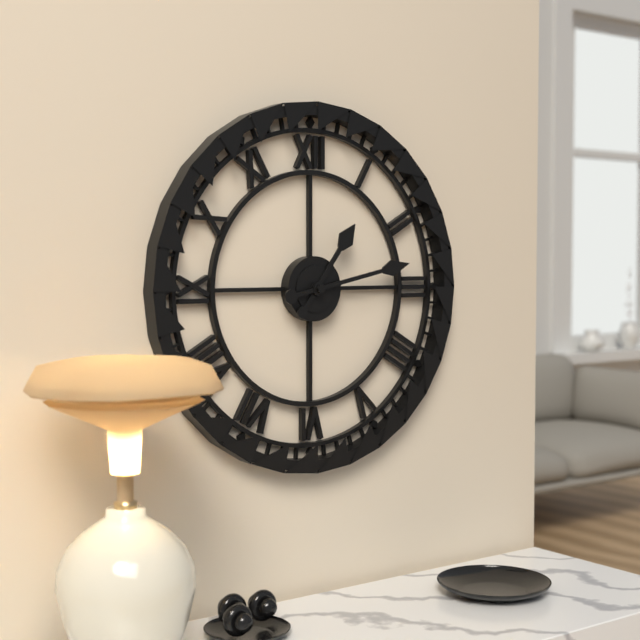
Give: 1h13
